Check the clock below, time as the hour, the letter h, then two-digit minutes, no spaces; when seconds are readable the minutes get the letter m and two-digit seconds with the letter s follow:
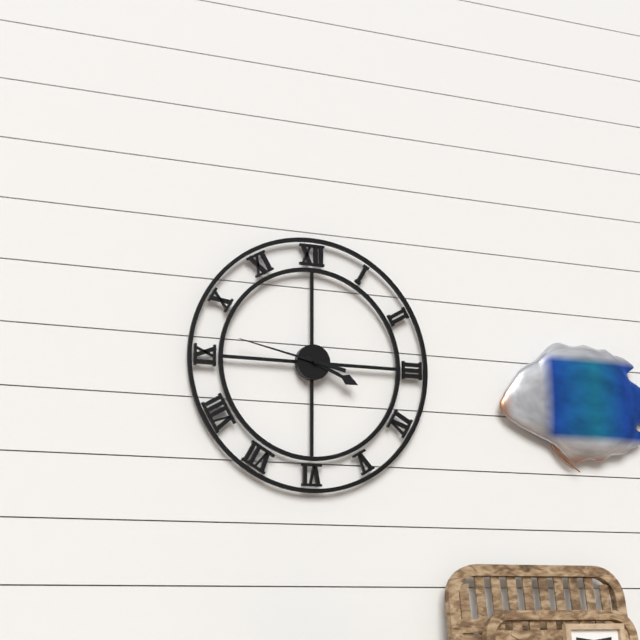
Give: 3h47
